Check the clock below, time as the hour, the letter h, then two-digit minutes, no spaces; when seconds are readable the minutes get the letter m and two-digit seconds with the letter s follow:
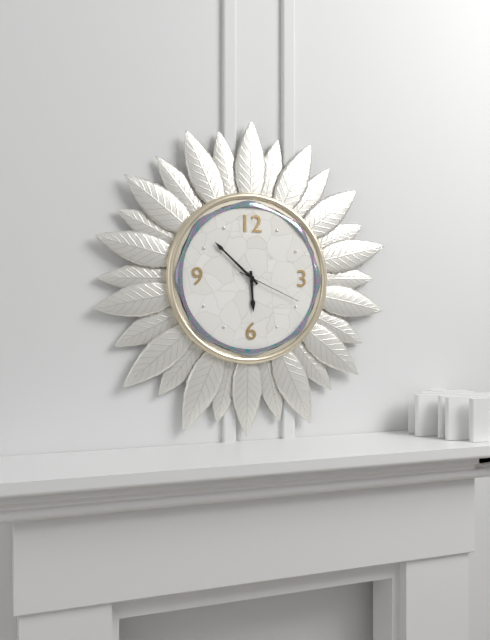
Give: 5h52m19s
